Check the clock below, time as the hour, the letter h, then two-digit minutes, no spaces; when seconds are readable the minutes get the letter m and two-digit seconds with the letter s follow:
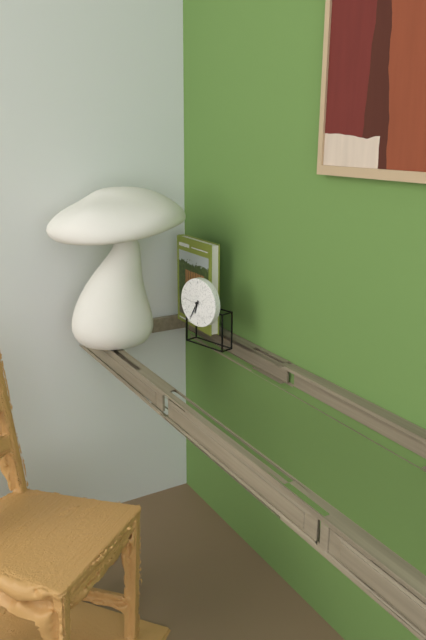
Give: 6h35
